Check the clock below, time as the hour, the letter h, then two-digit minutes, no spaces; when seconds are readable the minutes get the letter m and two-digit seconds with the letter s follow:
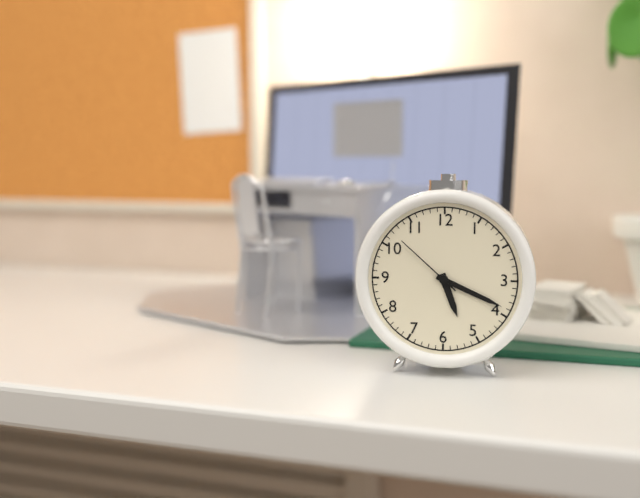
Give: 5h19m52s
